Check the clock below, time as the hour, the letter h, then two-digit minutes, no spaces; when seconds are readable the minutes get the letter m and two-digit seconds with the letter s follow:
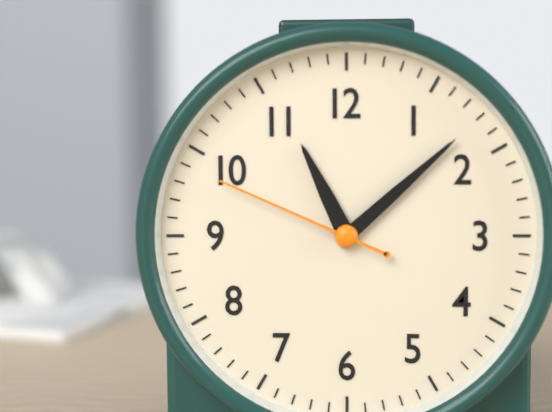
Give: 11h08m49s
